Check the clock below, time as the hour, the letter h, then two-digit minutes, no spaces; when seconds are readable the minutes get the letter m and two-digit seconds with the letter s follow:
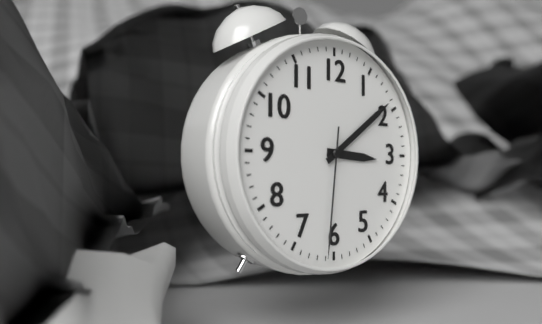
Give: 3h09m31s
